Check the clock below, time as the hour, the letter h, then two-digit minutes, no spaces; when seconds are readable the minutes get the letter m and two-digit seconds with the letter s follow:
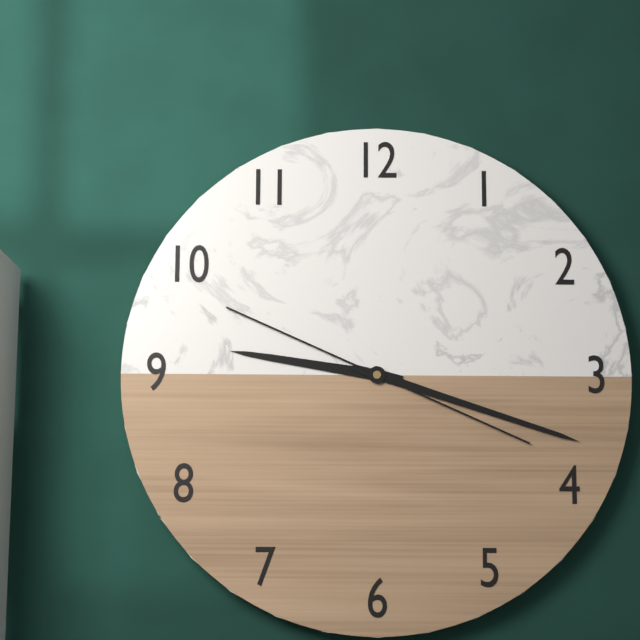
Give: 9h18
